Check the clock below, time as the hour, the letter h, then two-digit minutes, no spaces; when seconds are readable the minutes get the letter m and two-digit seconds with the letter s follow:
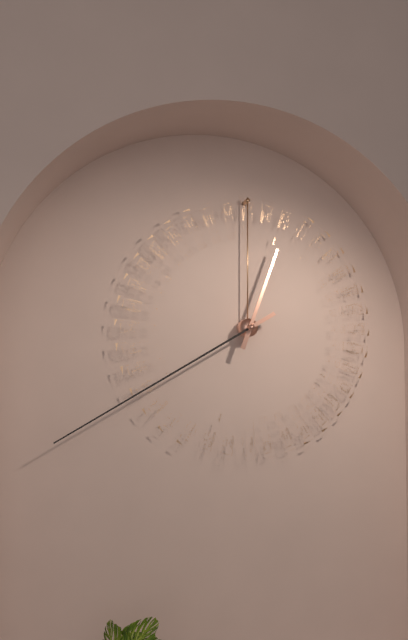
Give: 12h40
